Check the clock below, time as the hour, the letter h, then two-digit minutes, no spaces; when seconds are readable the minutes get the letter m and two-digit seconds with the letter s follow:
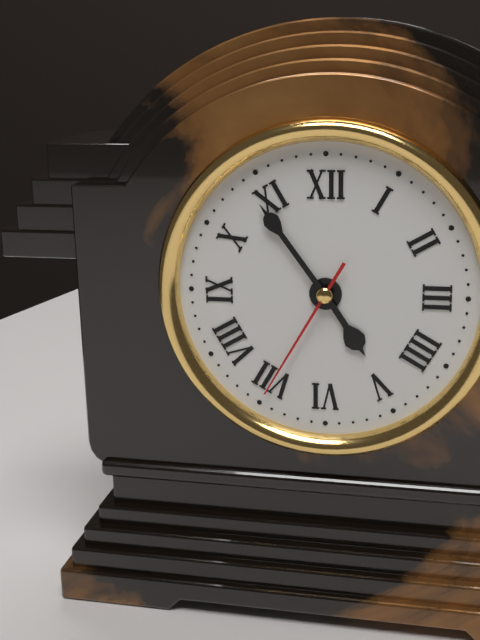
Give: 4h54m35s
